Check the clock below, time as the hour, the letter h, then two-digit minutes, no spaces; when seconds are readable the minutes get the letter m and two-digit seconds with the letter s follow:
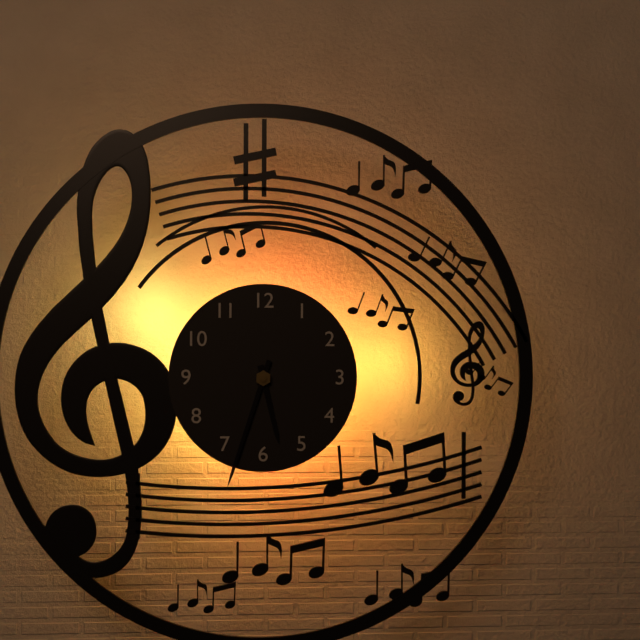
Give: 5h33
